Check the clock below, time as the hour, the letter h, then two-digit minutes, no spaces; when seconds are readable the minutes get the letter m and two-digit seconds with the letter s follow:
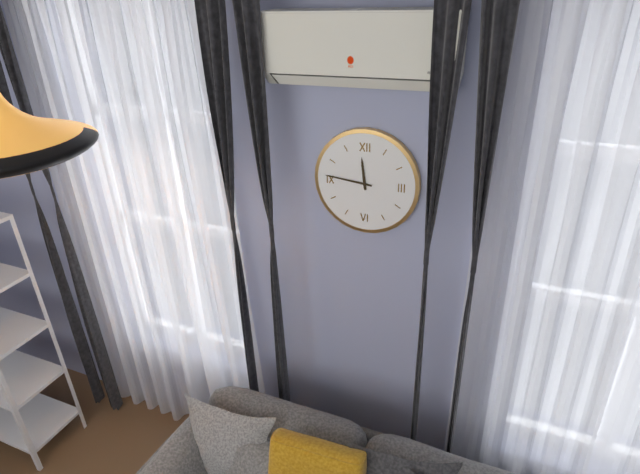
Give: 11h46
